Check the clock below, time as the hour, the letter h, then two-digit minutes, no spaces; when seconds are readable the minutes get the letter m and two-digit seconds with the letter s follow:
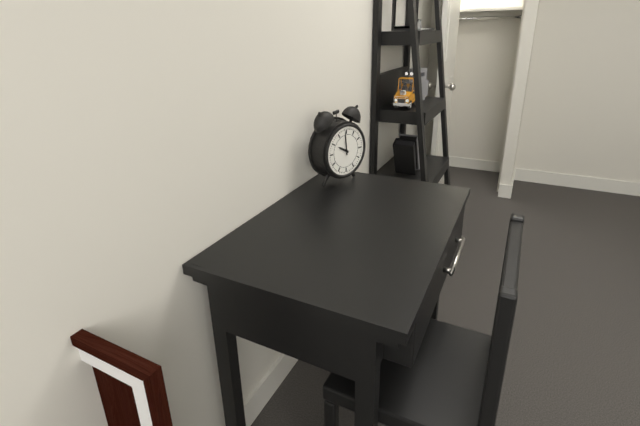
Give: 9h59
